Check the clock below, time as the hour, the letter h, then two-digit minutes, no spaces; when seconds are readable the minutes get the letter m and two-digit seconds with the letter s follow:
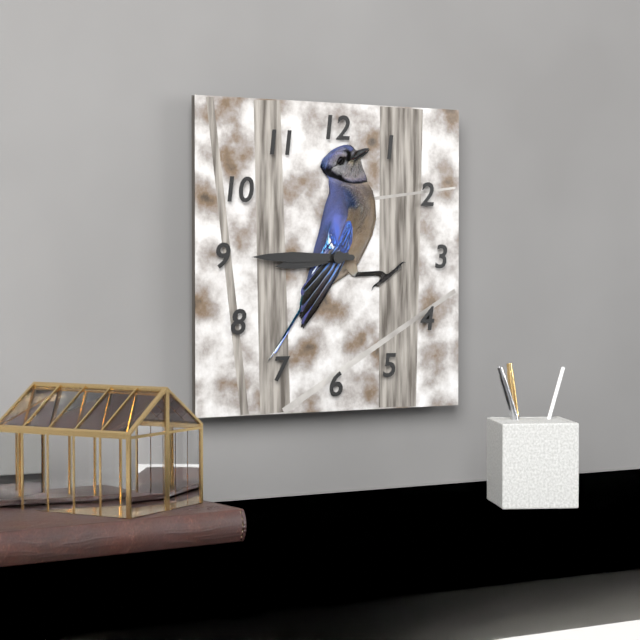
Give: 8h45
